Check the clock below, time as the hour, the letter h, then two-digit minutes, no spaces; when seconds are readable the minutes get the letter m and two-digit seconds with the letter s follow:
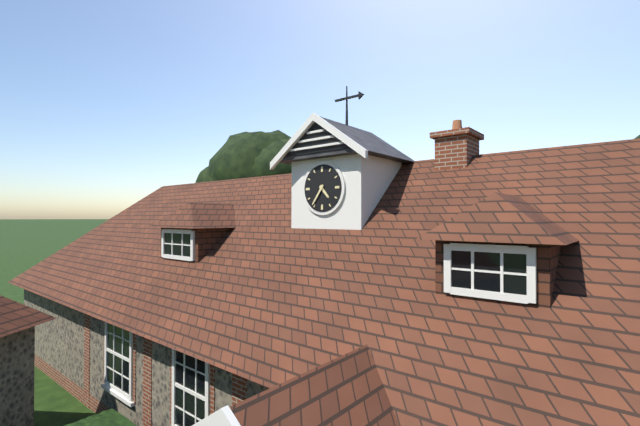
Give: 4h36
